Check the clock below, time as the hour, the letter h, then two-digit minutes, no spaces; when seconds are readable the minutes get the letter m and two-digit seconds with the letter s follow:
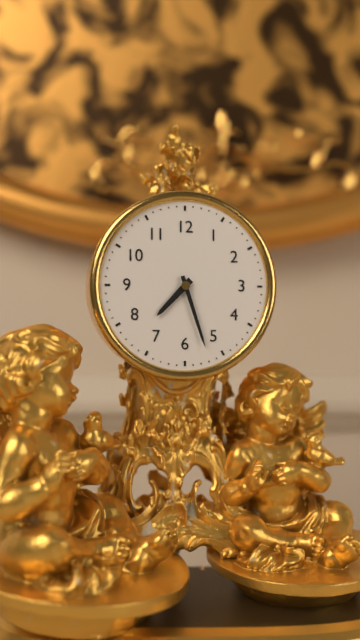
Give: 7h27
